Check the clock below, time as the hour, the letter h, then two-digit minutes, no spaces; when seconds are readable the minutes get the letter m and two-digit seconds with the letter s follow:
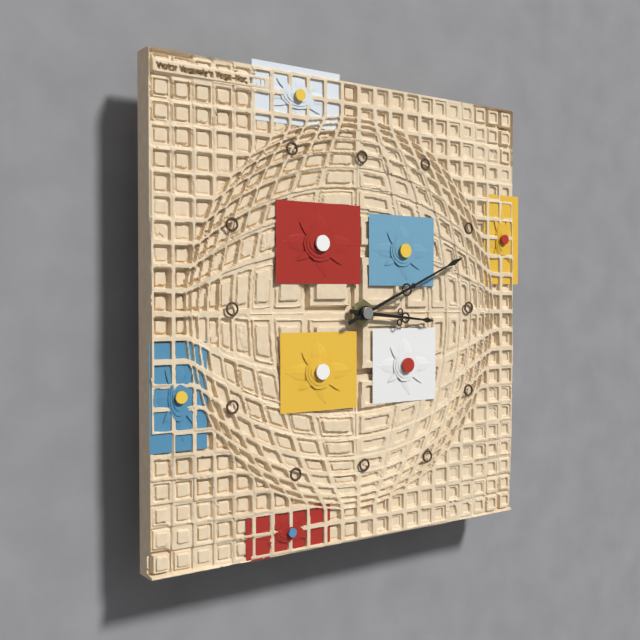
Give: 3h11
